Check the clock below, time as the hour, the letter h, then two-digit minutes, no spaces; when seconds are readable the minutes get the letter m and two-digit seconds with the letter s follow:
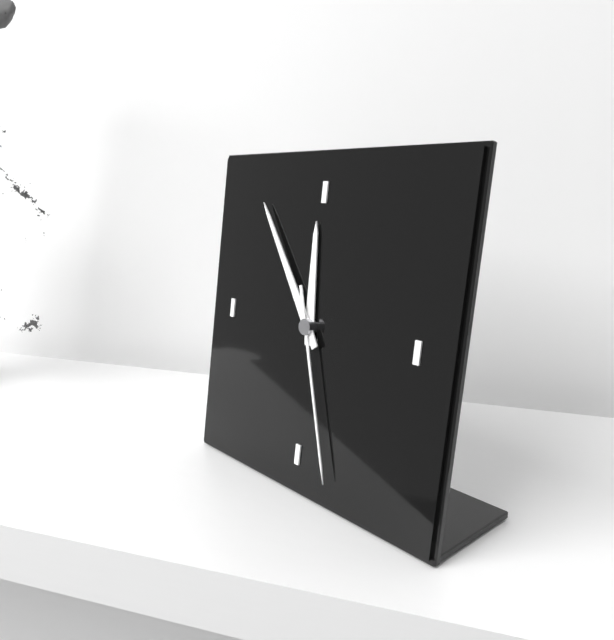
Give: 11h54m27s
